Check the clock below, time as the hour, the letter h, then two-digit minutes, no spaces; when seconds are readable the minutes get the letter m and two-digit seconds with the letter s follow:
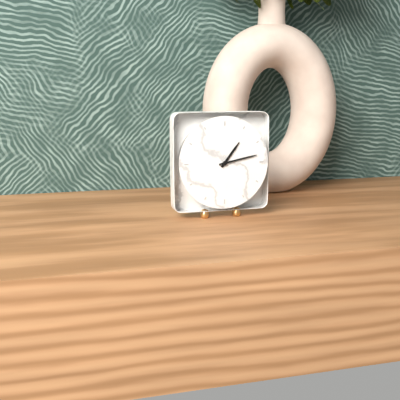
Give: 1h13
